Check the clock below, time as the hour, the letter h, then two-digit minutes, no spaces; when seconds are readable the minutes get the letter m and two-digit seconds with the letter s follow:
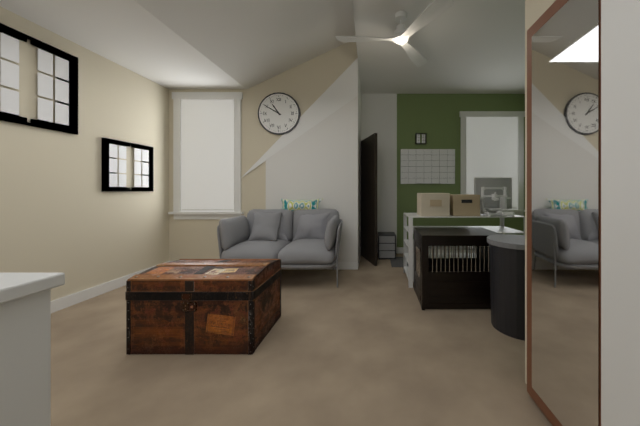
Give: 10h50
